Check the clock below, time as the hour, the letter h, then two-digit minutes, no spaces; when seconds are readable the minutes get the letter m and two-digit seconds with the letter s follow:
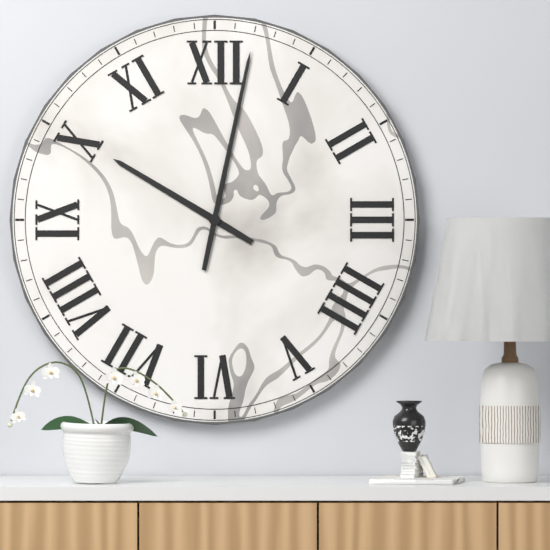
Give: 10h02
